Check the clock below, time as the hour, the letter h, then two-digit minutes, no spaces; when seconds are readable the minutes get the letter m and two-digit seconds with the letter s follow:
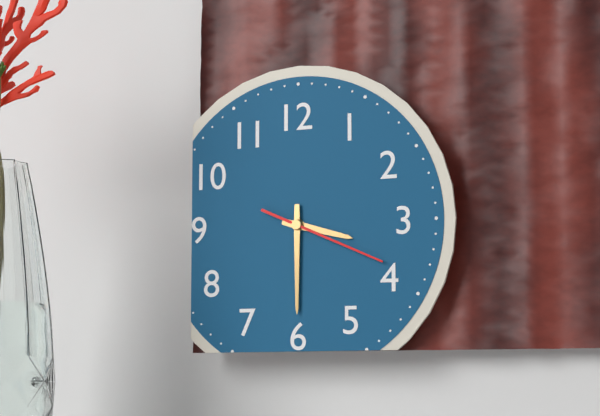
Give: 3h30m19s
